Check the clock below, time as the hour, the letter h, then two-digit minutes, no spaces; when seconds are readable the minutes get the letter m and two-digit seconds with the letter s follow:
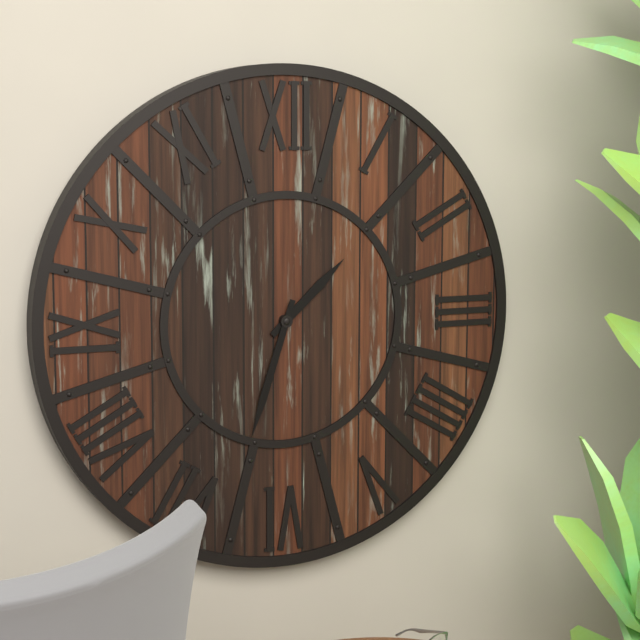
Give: 1h33
